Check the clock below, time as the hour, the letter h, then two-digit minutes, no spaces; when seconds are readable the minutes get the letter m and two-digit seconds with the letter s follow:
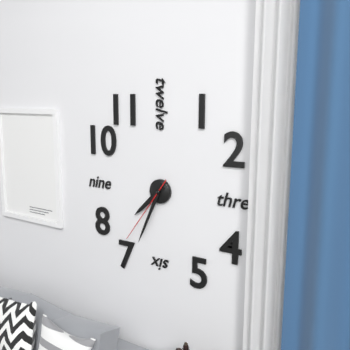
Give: 7h34m36s
